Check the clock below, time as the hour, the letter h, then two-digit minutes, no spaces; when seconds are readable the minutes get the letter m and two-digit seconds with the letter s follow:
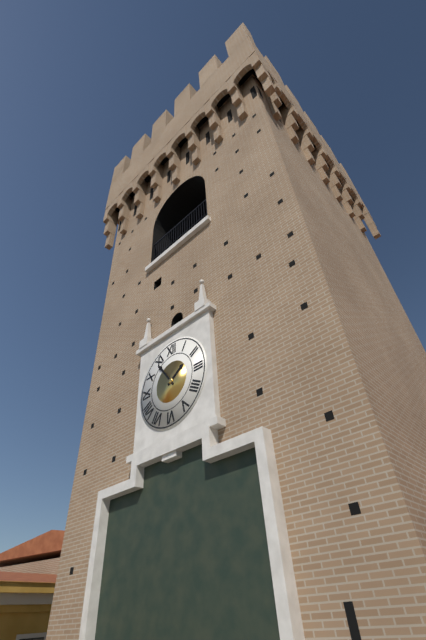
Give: 1h54
